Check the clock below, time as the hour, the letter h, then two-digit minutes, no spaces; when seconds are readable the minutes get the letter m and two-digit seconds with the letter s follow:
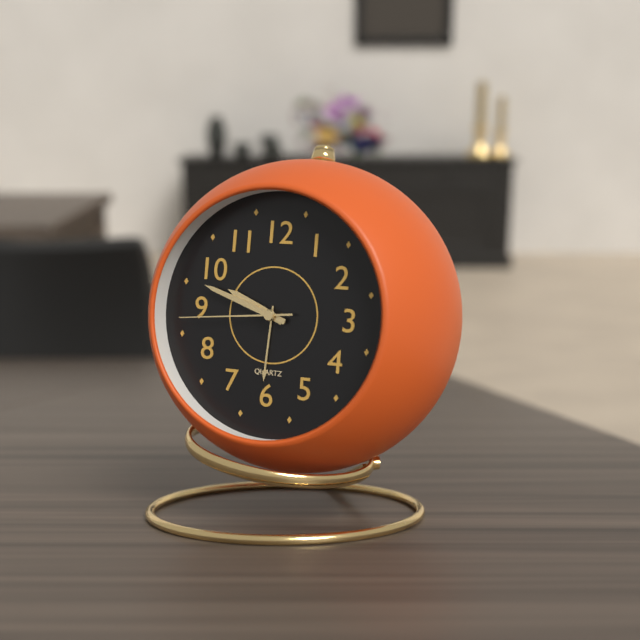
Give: 9h48m44s
